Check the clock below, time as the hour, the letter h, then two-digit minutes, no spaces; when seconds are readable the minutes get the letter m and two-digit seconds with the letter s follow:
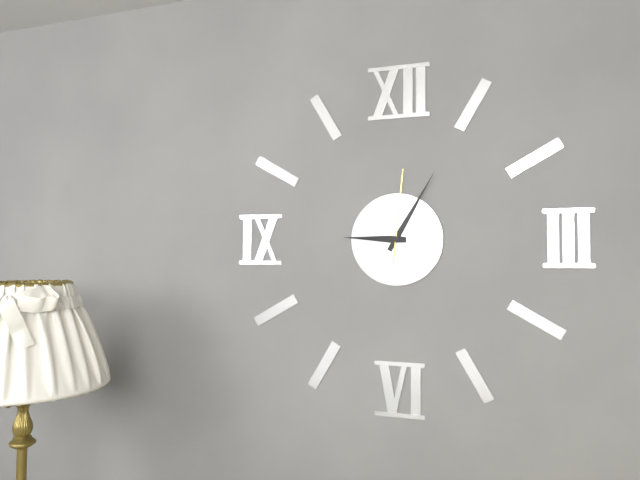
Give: 9h05m01s
